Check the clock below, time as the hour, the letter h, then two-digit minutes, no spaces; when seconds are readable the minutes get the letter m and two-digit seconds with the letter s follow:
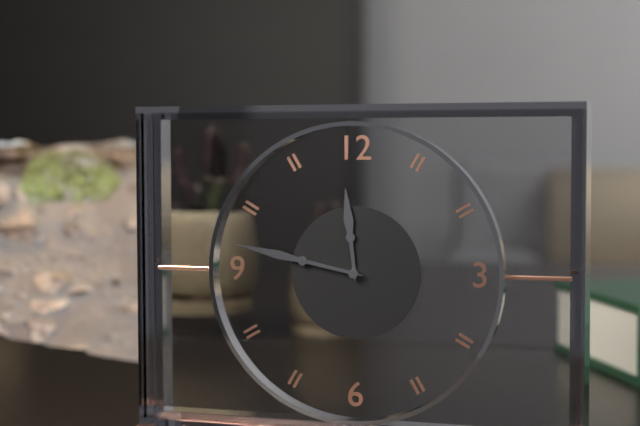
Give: 11h47
